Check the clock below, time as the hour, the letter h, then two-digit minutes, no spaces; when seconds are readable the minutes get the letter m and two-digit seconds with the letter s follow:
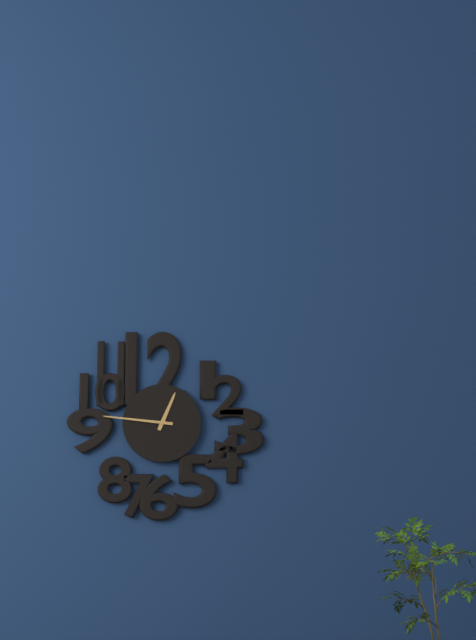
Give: 12h46
